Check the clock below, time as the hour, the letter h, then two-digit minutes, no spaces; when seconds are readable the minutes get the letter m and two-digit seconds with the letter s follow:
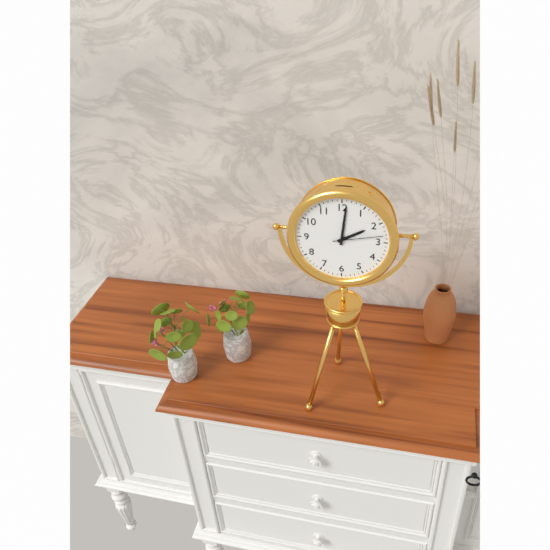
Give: 2h01m13s
